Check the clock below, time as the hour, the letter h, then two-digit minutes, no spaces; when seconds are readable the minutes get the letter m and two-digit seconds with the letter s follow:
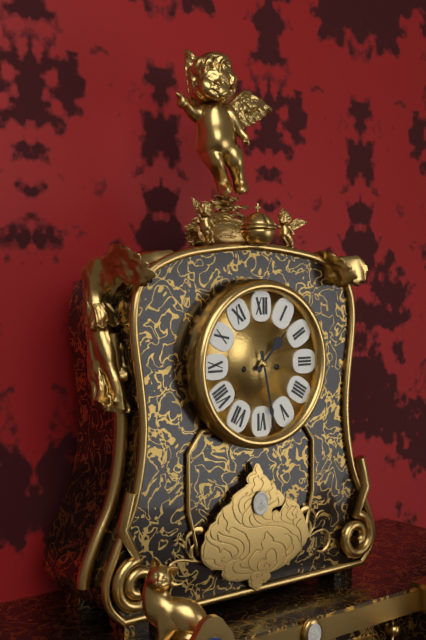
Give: 1h28
